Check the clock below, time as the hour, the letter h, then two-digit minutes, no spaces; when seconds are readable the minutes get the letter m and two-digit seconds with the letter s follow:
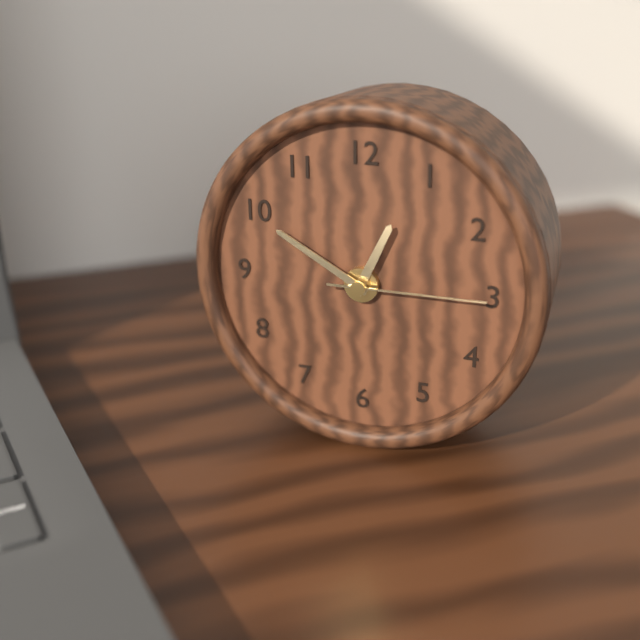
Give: 12h50m15s
